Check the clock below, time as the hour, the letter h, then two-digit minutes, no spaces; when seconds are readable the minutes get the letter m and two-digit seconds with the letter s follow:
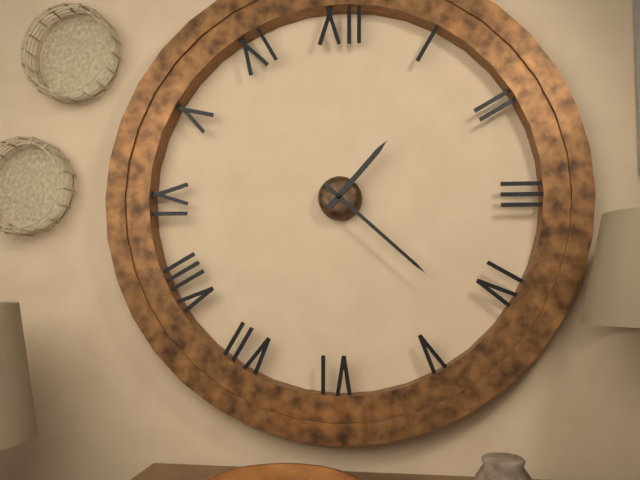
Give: 1h22
